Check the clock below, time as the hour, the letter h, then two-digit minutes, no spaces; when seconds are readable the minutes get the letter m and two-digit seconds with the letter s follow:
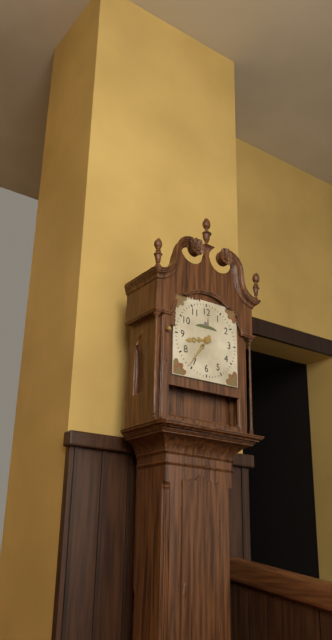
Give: 8h36
